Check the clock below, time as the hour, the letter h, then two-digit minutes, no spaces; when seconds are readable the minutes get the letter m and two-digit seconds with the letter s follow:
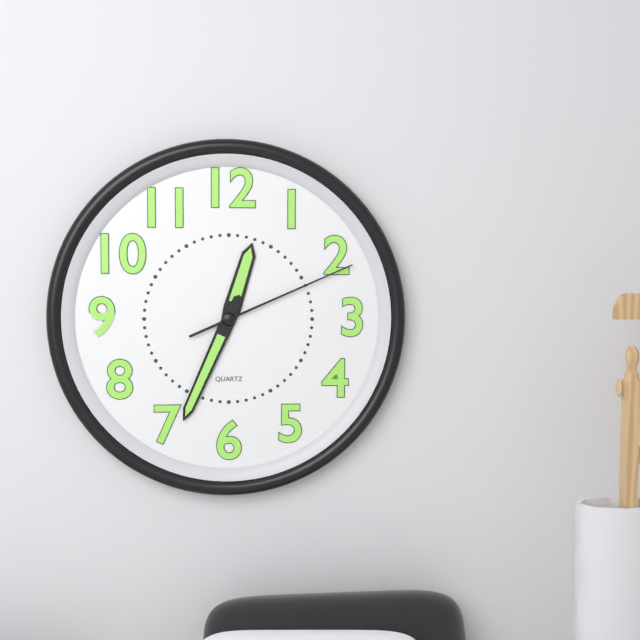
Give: 12h34m11s
